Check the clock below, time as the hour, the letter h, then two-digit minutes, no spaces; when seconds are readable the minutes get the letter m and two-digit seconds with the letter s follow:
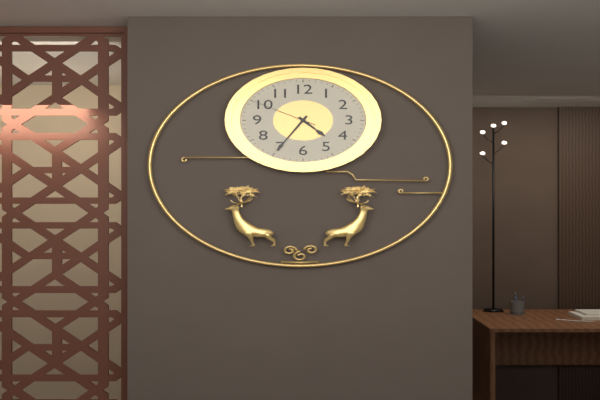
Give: 4h35m50s
